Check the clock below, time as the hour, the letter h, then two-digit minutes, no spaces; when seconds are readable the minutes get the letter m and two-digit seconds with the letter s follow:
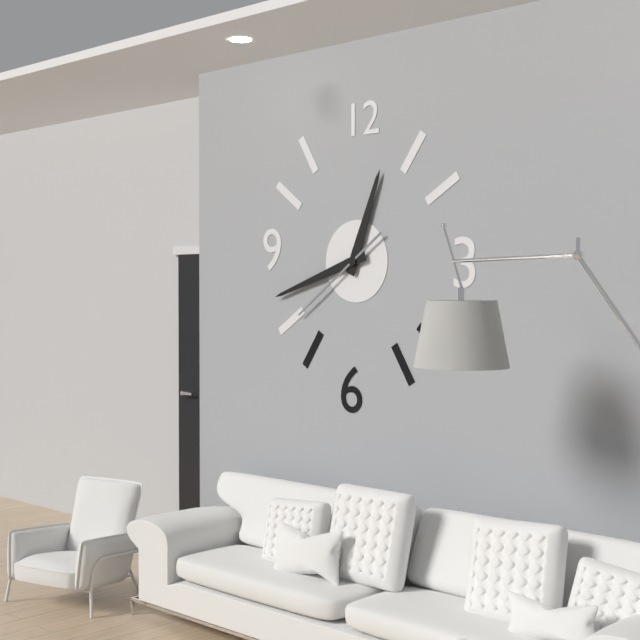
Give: 12h42m39s
